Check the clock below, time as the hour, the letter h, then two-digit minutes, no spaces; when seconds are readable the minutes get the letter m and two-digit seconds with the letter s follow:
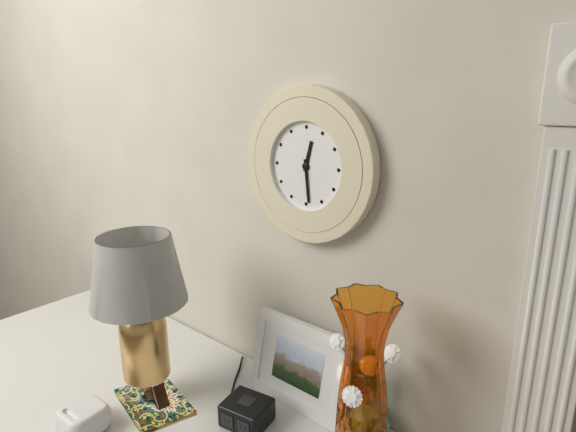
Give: 12h29
